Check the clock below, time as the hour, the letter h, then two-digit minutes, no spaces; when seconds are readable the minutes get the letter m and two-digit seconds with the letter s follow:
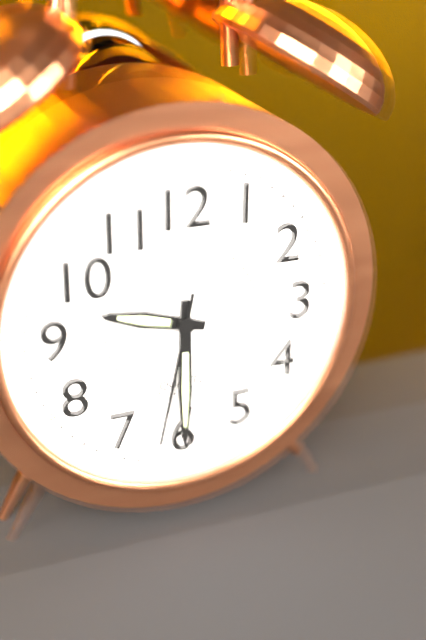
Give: 9h30m32s
